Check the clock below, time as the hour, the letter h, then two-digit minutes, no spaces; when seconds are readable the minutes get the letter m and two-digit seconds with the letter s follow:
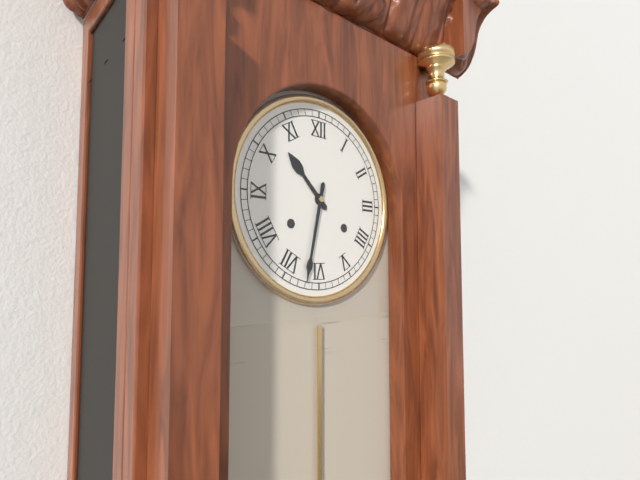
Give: 10h32
